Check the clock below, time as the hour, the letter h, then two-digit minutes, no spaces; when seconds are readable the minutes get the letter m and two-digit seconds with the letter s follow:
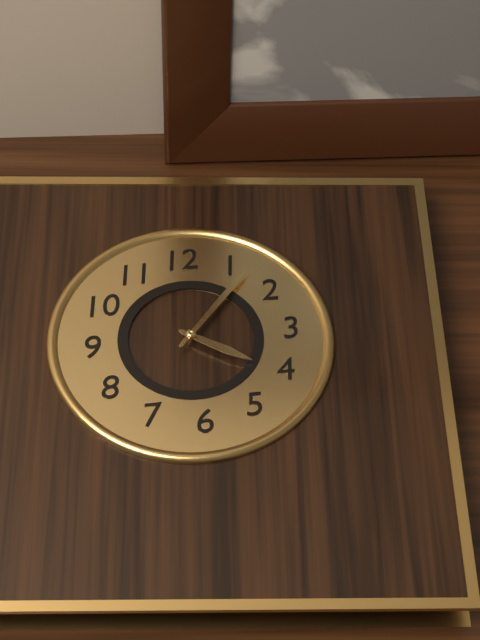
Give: 4h07
